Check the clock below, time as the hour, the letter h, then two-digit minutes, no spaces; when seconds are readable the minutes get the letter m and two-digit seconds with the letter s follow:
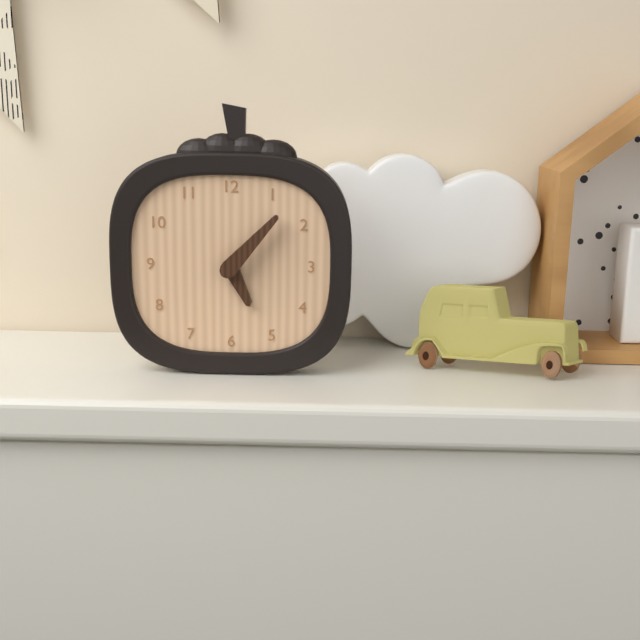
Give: 5h07
